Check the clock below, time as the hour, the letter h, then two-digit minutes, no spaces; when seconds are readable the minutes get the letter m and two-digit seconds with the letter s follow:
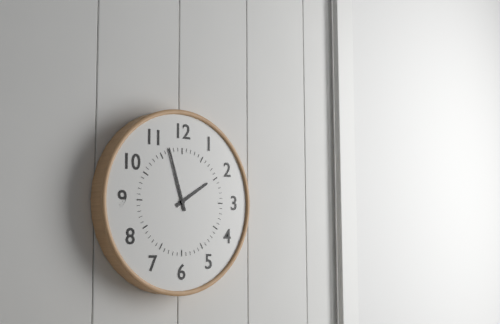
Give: 1h57
